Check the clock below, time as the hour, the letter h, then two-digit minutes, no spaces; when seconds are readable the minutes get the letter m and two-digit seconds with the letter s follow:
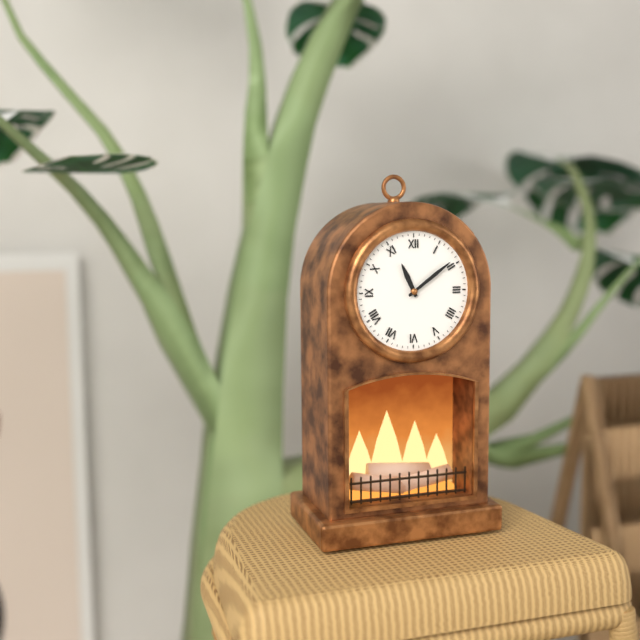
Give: 11h09
